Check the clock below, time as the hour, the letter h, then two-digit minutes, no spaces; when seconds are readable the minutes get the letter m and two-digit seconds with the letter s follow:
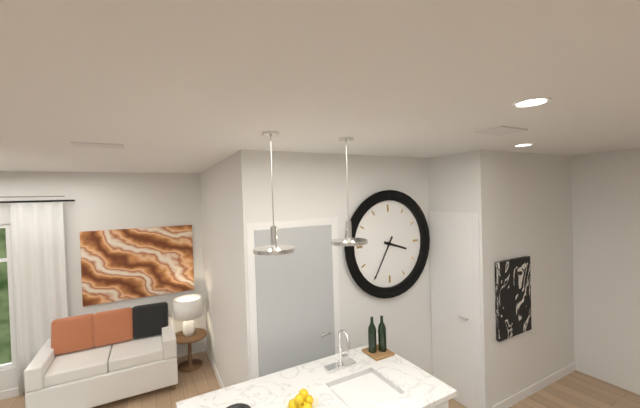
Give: 3h35
